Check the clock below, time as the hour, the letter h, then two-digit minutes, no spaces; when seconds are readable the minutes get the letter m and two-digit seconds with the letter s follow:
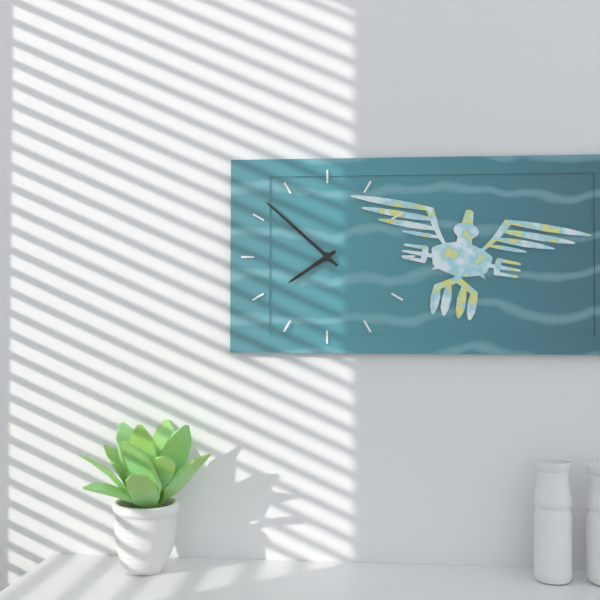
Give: 7h52
